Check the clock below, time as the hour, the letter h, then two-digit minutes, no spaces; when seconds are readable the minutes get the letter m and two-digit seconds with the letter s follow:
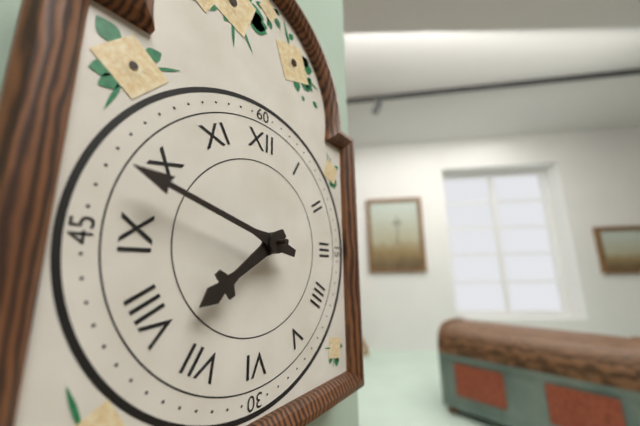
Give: 7h48
